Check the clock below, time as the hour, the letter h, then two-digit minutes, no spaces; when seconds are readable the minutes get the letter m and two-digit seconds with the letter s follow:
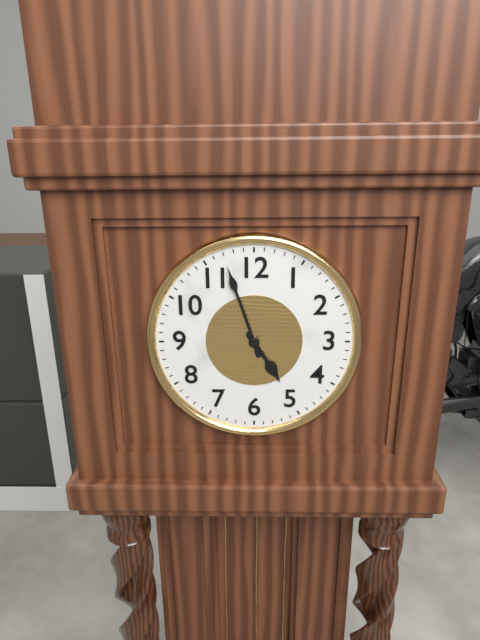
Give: 4h57
